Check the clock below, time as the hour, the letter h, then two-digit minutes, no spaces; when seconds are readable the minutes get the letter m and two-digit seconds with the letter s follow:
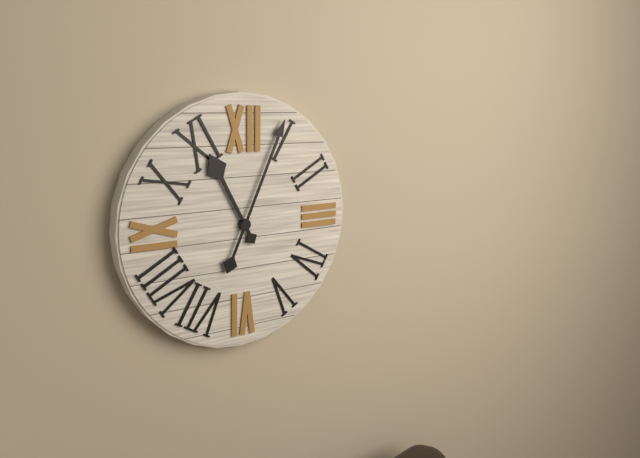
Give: 11h04
